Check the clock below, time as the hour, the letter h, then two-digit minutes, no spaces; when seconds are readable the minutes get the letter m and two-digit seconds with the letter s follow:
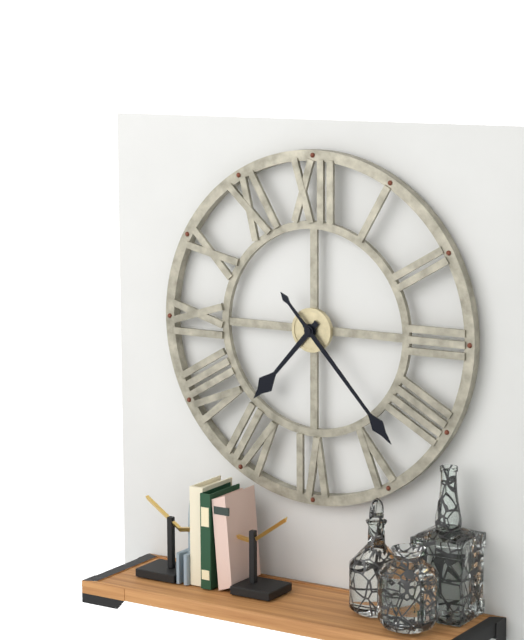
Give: 7h23
